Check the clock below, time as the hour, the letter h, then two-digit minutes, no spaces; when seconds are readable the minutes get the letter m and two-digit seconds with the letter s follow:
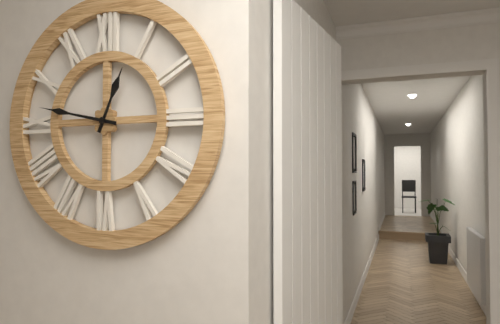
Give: 12h47
